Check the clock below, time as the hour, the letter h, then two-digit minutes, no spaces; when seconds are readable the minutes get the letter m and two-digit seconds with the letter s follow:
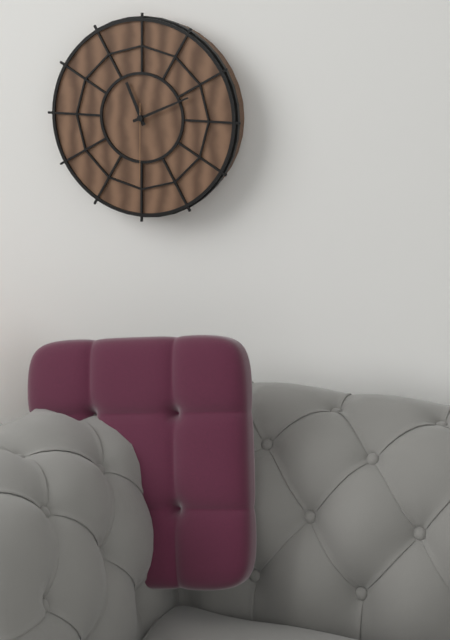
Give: 11h11m30s
